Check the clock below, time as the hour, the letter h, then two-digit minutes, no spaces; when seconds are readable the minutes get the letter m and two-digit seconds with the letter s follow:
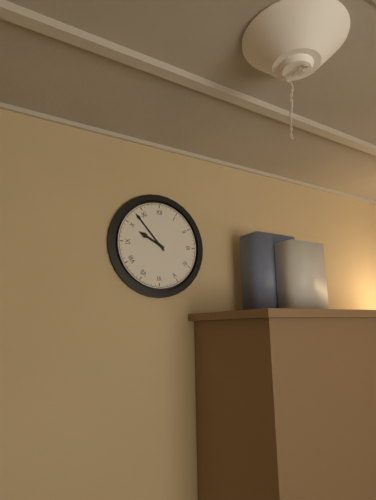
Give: 9h53
